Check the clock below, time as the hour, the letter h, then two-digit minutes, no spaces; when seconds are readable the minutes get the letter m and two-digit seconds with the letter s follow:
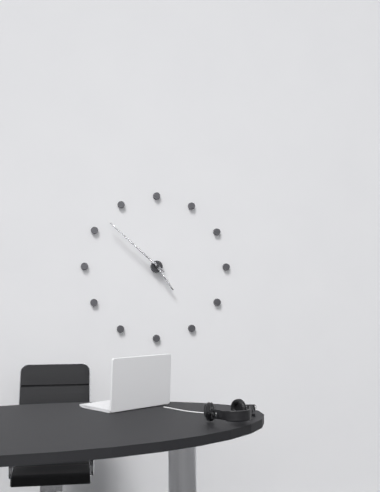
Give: 4h52
